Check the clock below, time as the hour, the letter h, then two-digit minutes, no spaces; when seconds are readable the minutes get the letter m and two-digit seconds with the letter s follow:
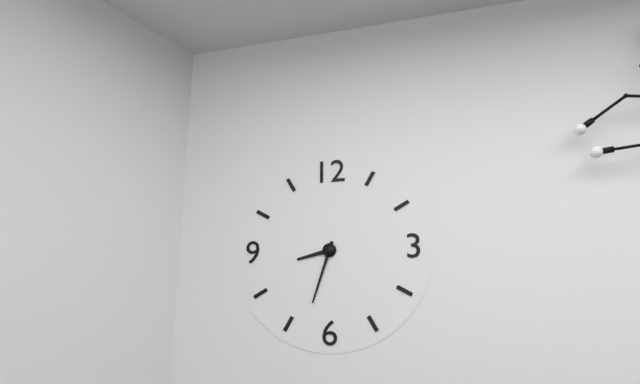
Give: 8h33
